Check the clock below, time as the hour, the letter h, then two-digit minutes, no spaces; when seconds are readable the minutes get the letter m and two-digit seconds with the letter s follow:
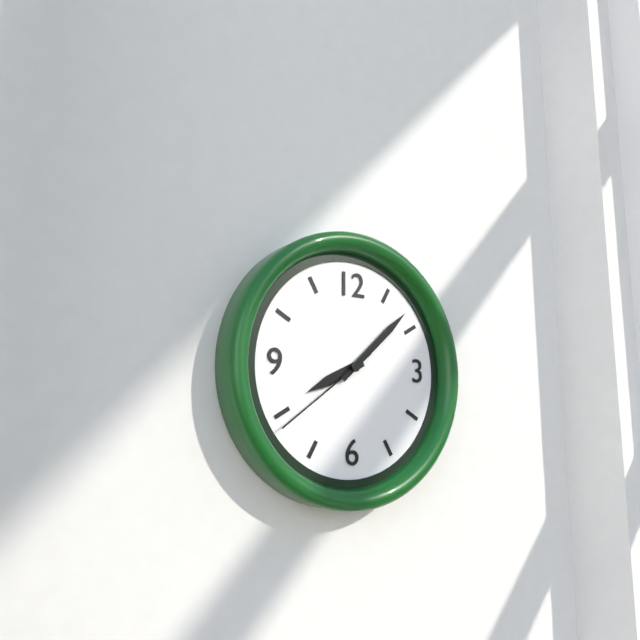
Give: 8h08m39s
